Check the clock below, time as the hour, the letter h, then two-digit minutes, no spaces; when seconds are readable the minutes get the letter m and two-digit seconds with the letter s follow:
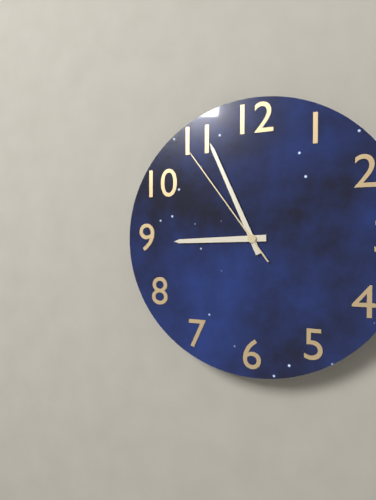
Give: 8h56m54s
